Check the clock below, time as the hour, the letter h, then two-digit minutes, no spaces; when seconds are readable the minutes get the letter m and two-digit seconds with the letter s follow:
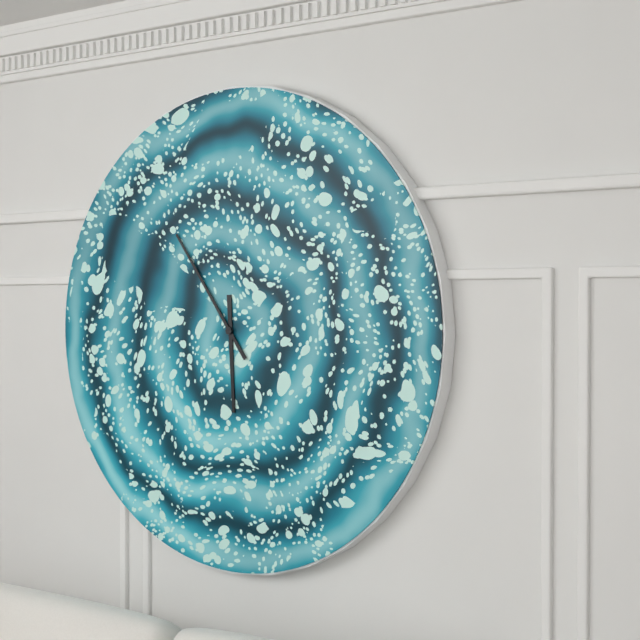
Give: 5h54
